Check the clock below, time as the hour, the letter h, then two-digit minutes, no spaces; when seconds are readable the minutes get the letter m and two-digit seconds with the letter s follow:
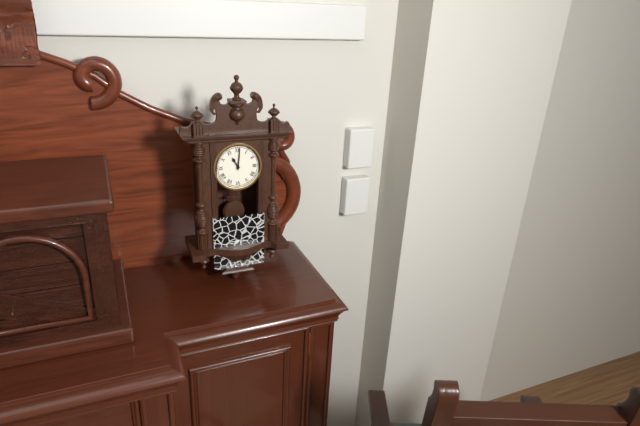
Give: 11h01
